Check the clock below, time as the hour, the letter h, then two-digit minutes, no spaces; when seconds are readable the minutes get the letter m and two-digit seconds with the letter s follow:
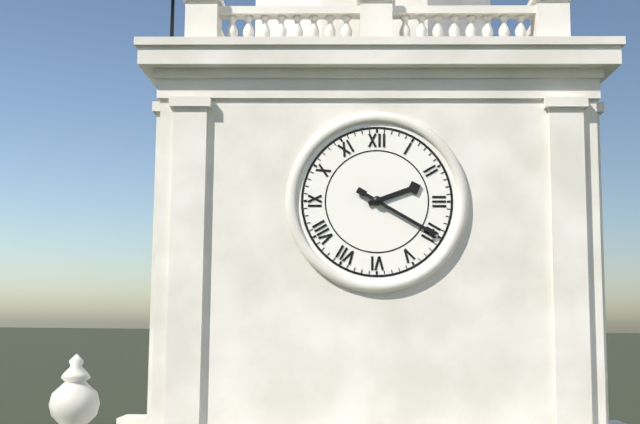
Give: 2h20
